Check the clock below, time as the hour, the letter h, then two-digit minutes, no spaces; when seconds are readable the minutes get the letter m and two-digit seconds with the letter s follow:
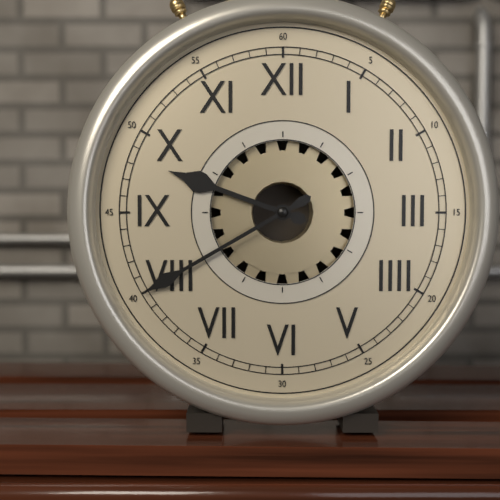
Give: 9h40
